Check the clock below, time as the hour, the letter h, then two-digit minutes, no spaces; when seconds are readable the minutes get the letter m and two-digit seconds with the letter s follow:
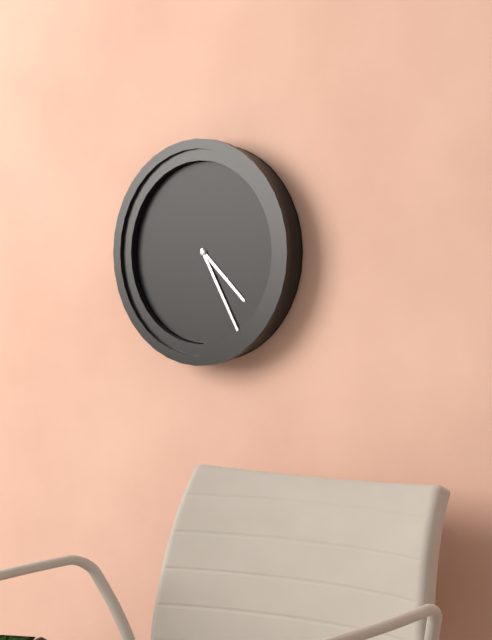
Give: 4h25
